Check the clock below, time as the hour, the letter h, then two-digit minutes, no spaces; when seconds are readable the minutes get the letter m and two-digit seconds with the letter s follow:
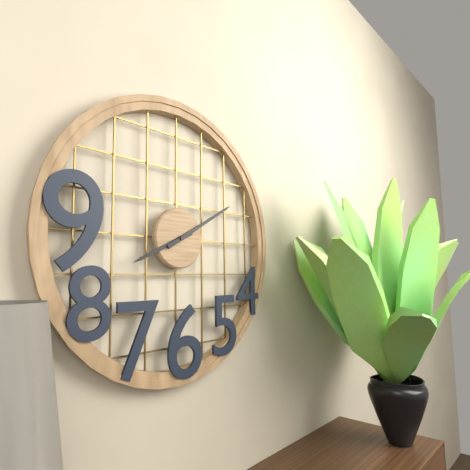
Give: 8h10
